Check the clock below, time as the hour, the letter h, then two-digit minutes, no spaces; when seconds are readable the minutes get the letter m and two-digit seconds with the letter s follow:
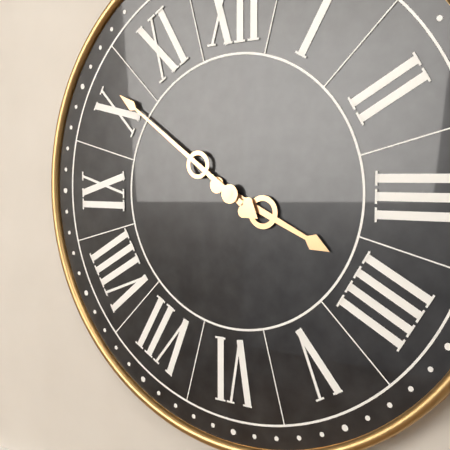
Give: 3h51
